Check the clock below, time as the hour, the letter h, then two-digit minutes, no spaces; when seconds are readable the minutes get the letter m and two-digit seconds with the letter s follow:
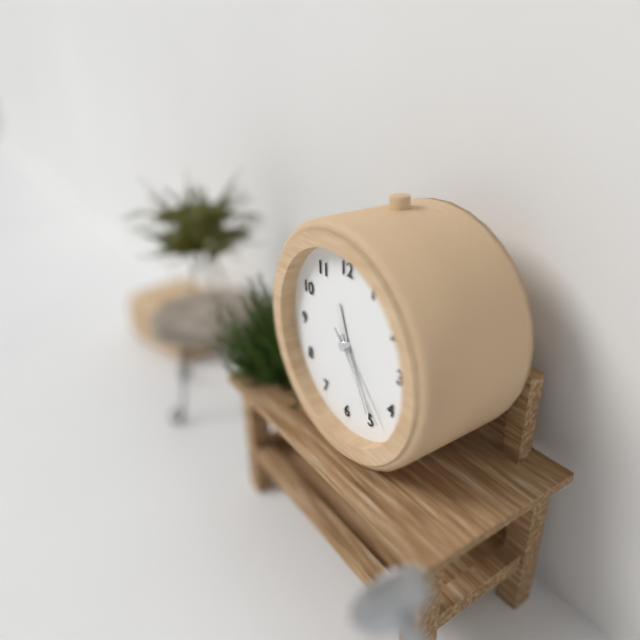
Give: 11h25m23s
